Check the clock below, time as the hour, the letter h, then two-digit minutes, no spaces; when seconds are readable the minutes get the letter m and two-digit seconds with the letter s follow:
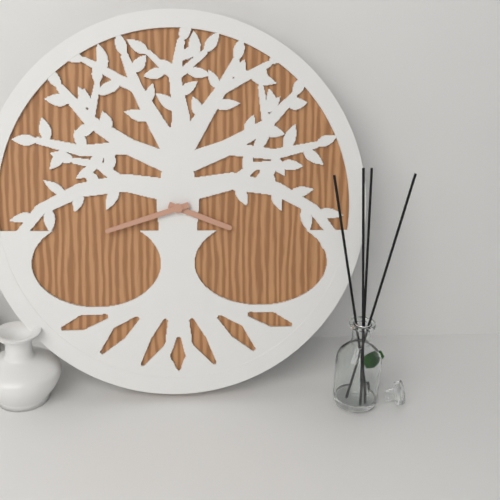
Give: 3h42
